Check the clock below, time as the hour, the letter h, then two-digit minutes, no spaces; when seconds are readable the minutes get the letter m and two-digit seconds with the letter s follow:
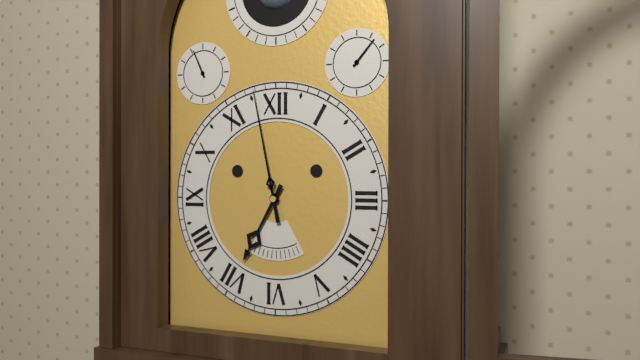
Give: 6h58
